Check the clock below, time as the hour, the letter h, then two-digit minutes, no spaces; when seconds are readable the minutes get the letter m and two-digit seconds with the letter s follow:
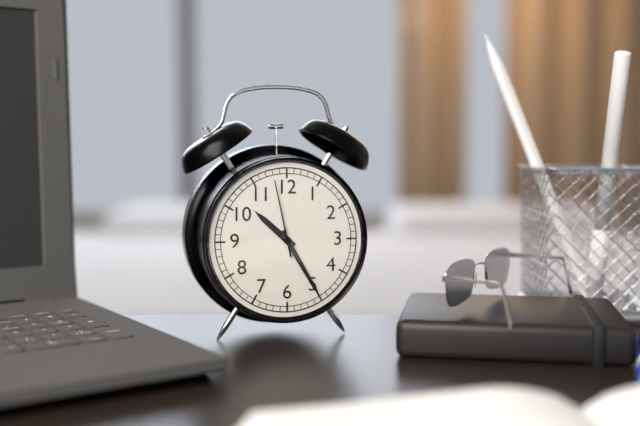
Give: 10h25m58s
